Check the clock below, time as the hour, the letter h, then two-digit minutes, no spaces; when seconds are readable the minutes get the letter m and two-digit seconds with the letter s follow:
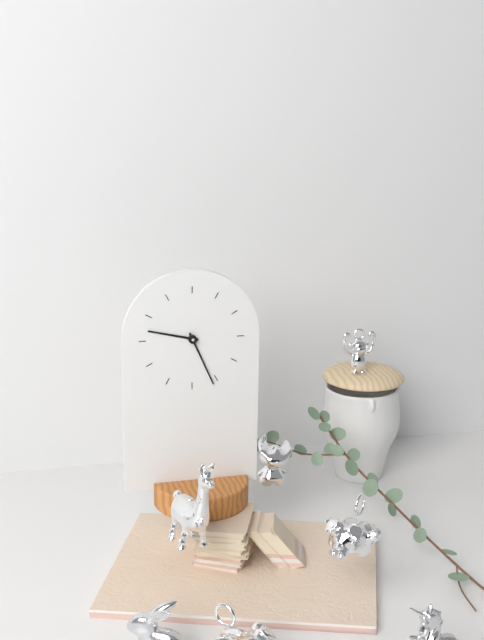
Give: 9h26
